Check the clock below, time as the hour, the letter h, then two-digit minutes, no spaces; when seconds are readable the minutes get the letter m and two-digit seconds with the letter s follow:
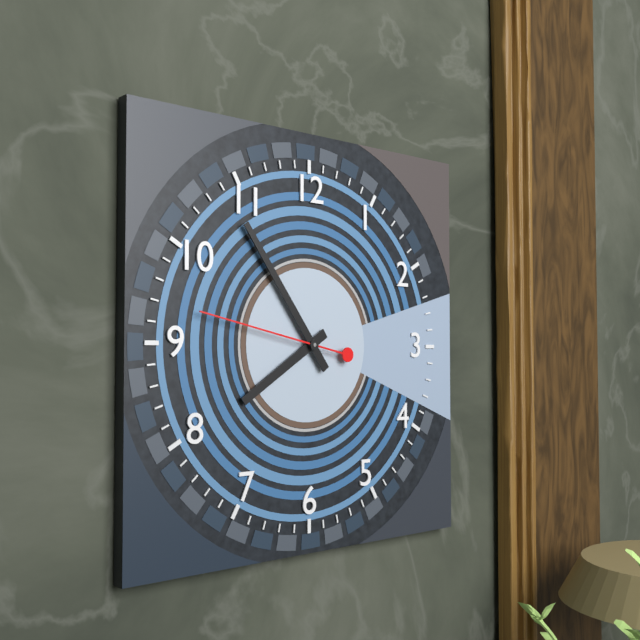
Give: 7h54m47s
